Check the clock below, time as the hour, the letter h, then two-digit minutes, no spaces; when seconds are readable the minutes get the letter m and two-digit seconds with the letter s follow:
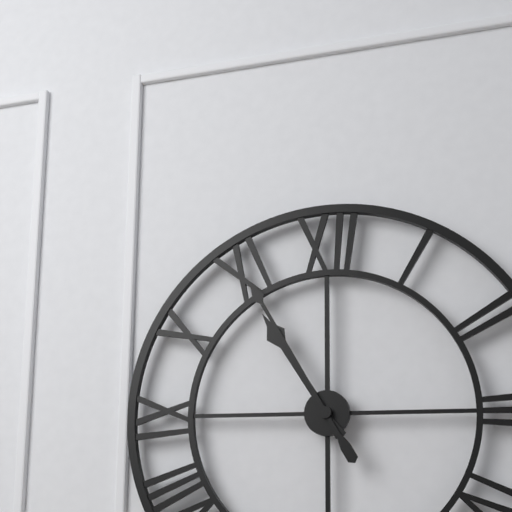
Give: 10h55
